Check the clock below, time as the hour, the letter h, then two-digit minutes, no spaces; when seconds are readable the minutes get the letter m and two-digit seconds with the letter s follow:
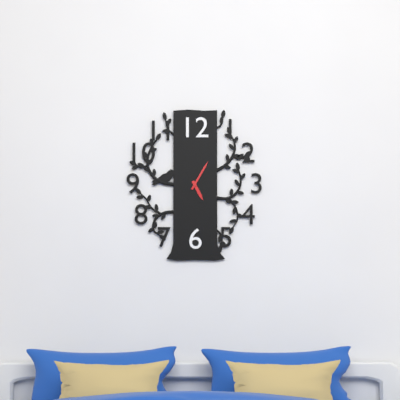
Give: 5h05
